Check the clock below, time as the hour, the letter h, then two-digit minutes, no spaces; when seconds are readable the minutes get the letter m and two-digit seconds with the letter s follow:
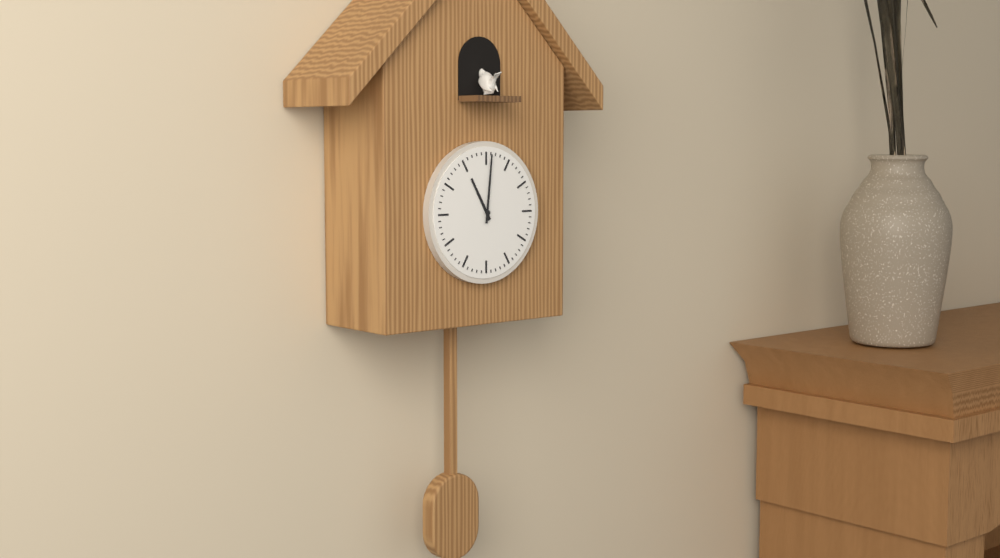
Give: 11h01
